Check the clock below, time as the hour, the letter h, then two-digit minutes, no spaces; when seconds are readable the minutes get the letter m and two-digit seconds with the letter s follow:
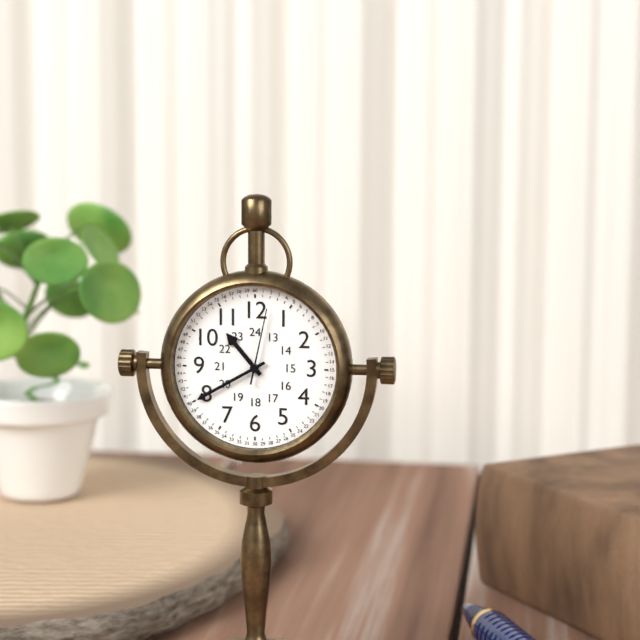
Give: 10h40m02s
